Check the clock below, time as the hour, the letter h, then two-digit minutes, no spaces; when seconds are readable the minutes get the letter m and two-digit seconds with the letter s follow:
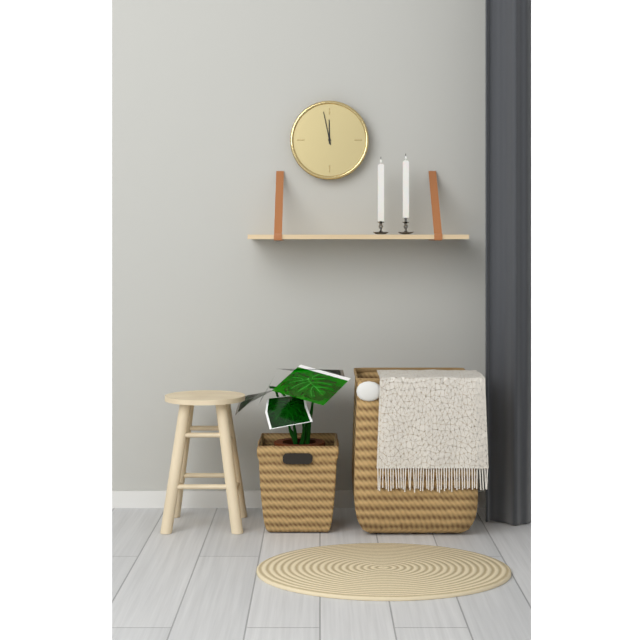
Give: 11h58
